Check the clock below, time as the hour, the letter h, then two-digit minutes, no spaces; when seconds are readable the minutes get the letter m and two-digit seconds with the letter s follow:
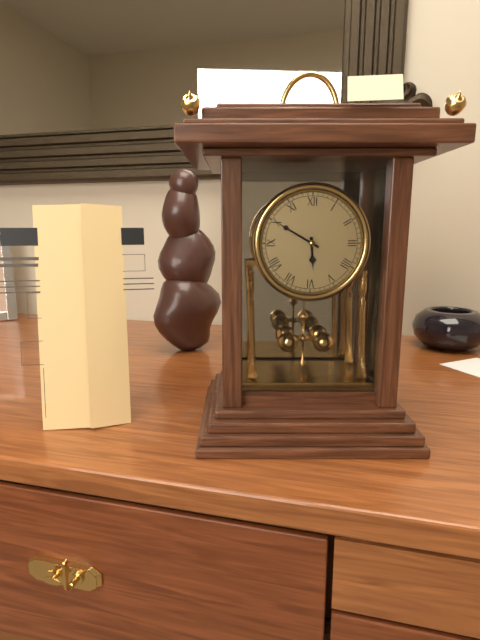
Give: 5h50
